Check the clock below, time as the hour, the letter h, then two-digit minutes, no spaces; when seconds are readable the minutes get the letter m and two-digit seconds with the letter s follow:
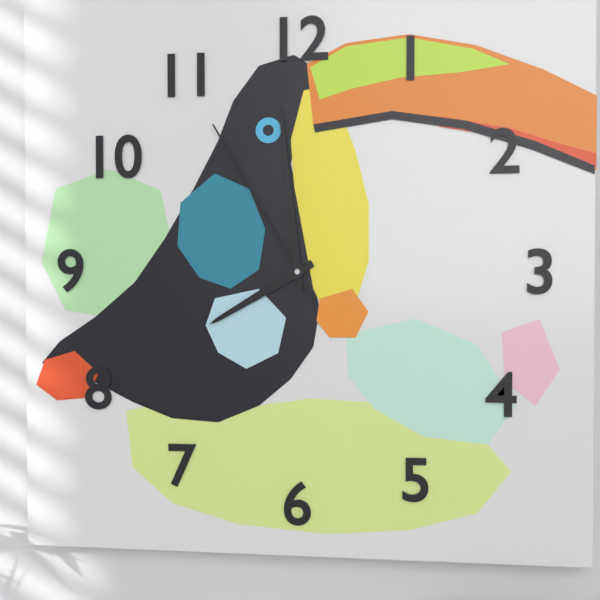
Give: 7h59m55s
